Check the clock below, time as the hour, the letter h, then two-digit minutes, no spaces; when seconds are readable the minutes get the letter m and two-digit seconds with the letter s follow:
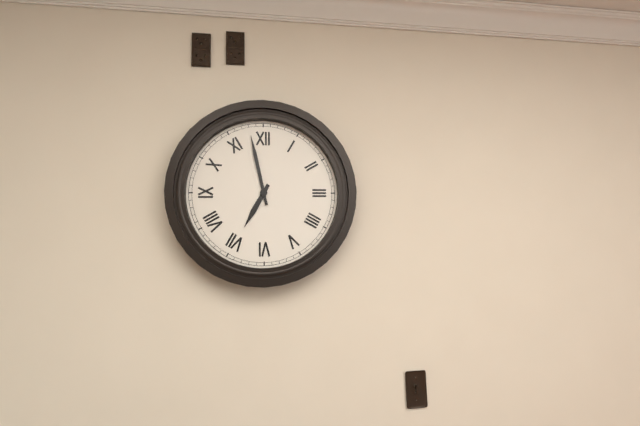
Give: 6h58
